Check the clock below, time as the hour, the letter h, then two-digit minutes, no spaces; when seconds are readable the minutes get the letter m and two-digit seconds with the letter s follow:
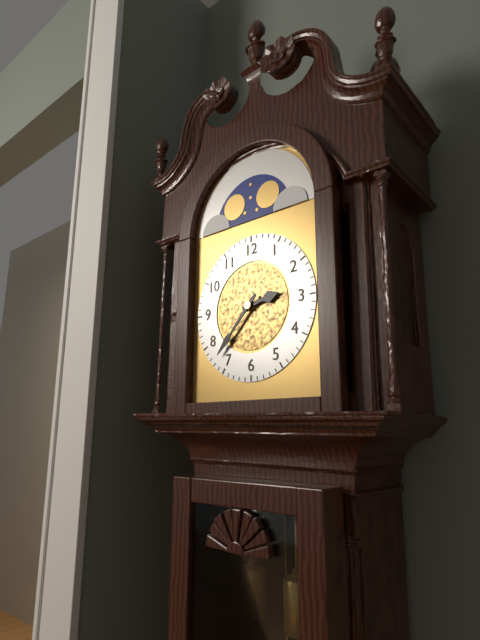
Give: 2h37
